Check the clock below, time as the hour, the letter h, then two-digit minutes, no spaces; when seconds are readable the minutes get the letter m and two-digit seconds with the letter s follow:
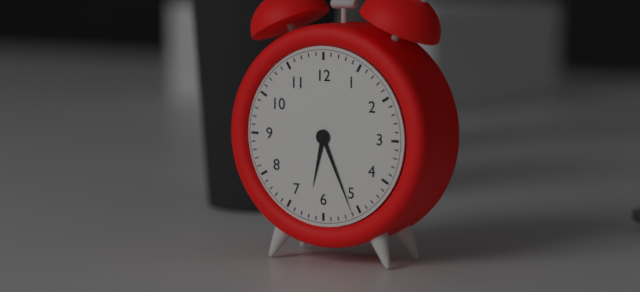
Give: 6h26
